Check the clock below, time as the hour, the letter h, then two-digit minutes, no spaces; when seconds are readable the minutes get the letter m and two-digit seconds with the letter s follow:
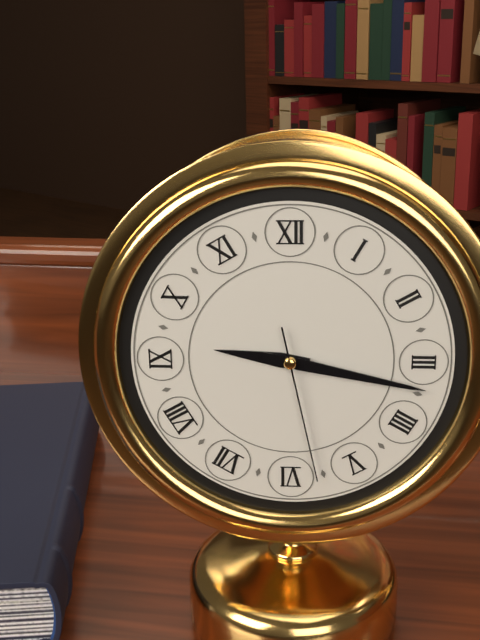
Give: 9h17m28s
